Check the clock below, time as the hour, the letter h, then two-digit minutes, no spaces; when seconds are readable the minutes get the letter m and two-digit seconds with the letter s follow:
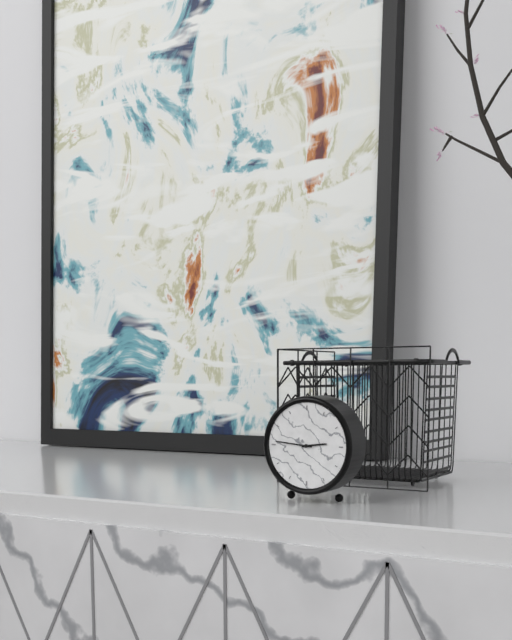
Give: 2h46
